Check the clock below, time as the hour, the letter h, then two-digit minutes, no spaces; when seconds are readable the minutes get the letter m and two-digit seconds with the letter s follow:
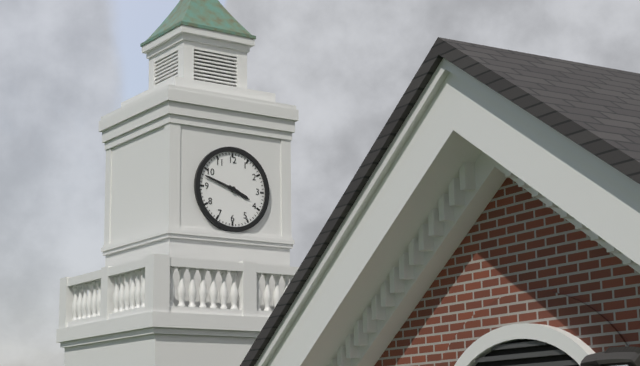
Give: 3h48
